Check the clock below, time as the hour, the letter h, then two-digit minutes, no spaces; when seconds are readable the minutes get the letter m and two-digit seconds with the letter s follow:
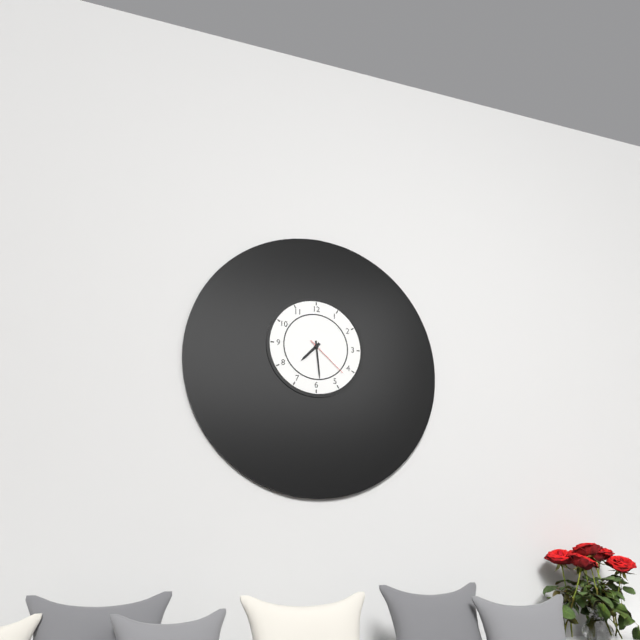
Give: 7h29
